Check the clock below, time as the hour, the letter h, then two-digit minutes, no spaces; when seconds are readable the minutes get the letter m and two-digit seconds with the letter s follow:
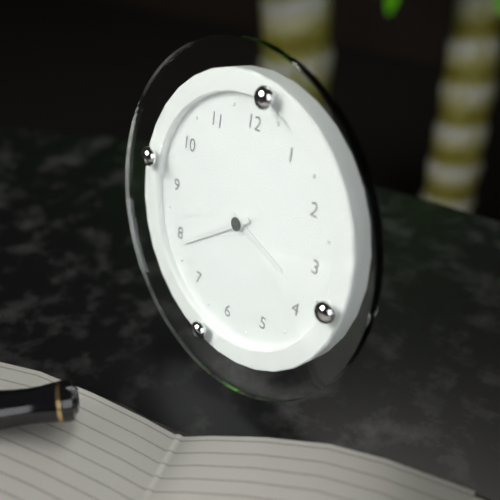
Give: 3h39
